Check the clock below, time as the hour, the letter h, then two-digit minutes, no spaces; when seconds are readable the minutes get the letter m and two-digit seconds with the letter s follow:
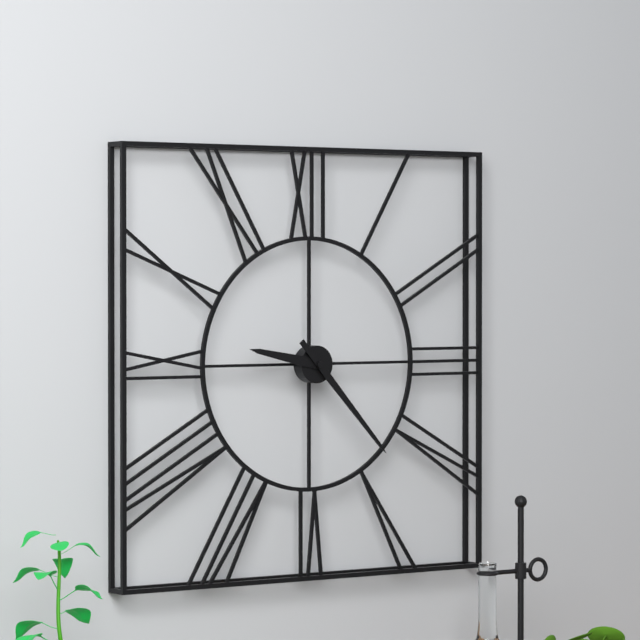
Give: 9h23
